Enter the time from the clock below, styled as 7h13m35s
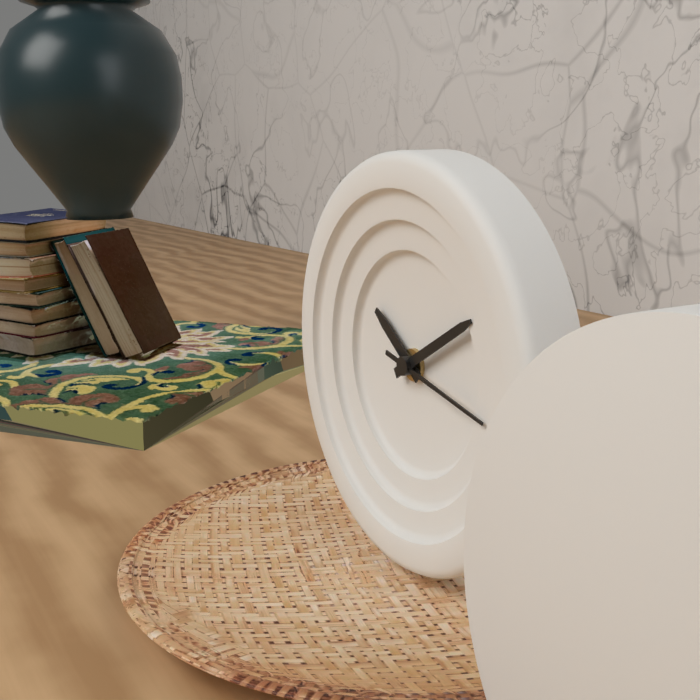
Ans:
10h10m17s
